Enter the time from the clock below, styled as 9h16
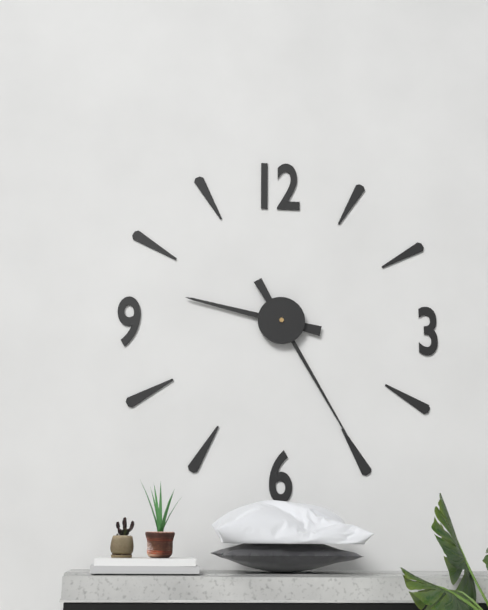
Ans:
9h25
